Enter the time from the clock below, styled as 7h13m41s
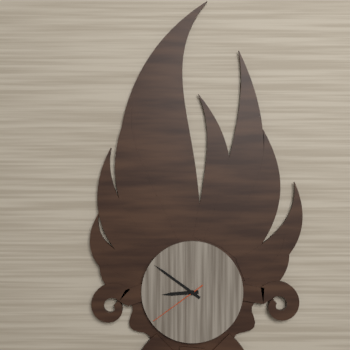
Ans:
8h51m39s
